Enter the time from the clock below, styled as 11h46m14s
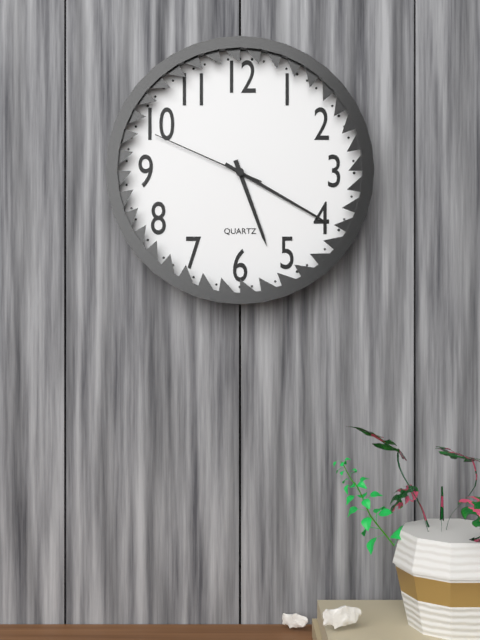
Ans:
5h20m49s
